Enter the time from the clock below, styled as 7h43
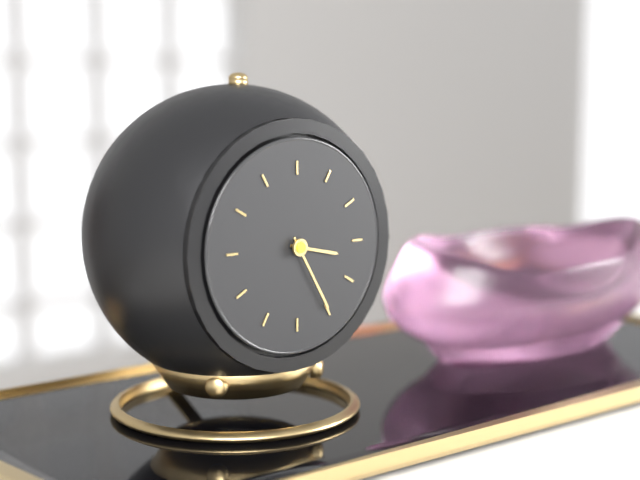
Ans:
3h25
